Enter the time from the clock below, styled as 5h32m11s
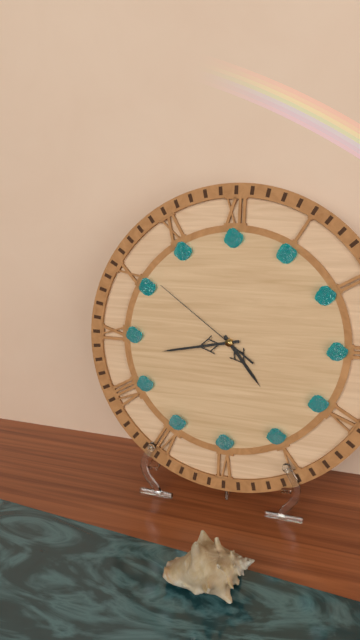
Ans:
4h43m51s
